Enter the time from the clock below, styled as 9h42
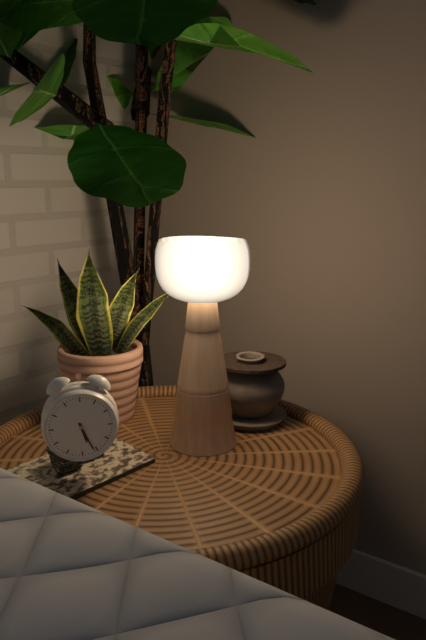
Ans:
5h26
